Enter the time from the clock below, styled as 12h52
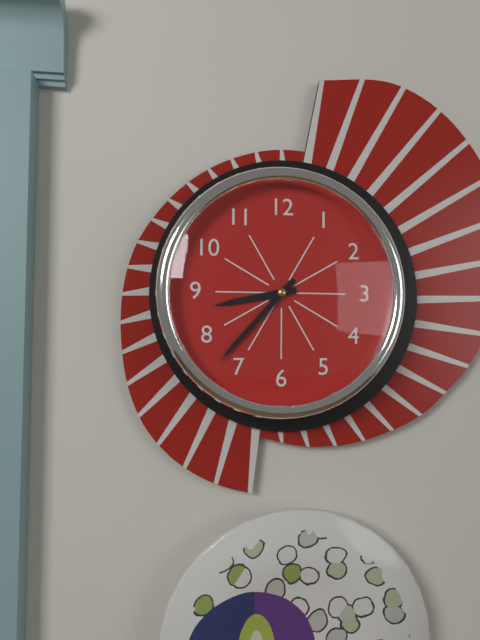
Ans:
8h37
